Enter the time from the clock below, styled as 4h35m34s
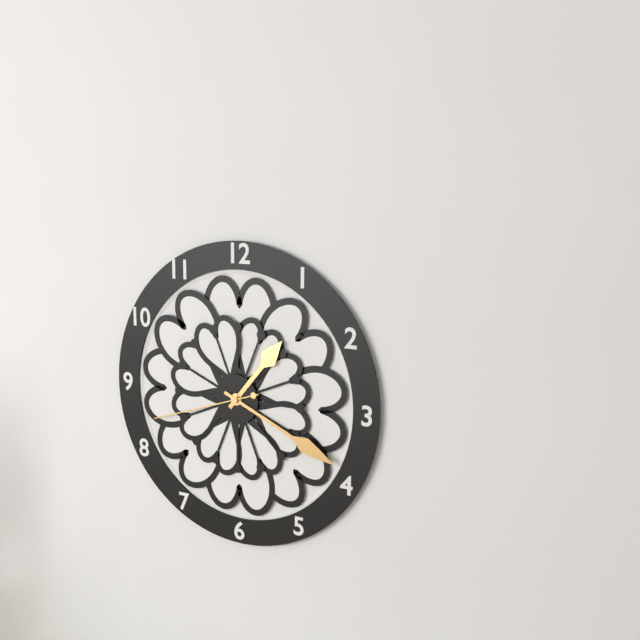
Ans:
1h19m42s
